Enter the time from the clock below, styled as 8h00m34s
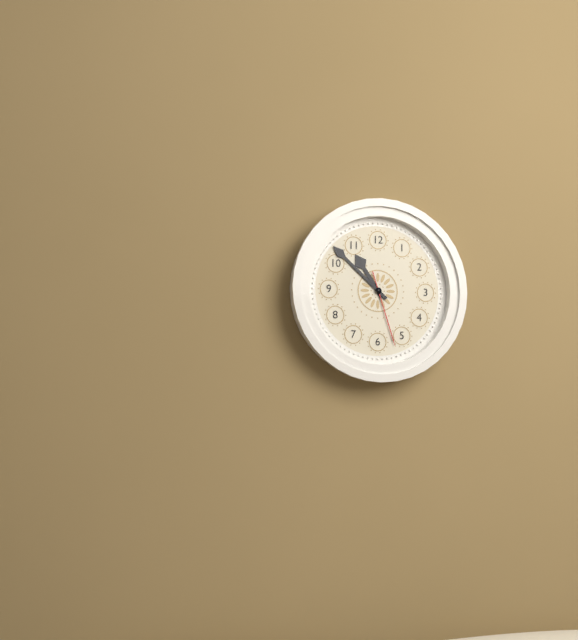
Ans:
10h52m27s
